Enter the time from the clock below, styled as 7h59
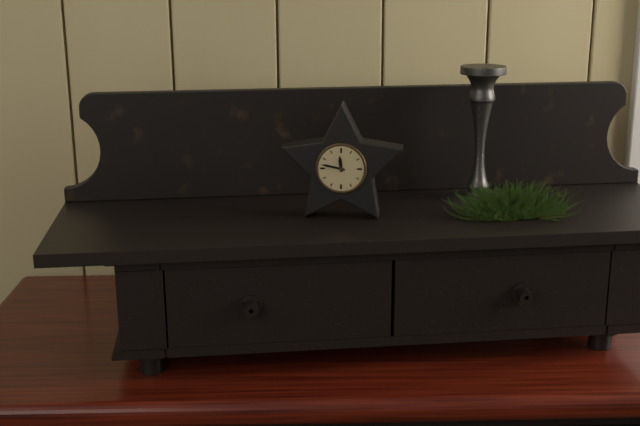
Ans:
11h47
